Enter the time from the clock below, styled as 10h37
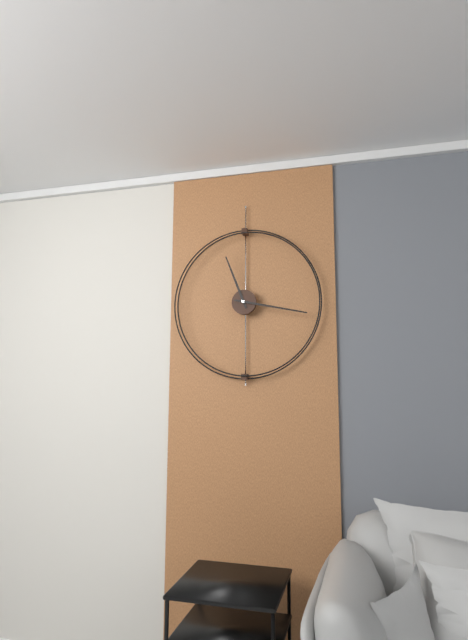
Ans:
11h17
